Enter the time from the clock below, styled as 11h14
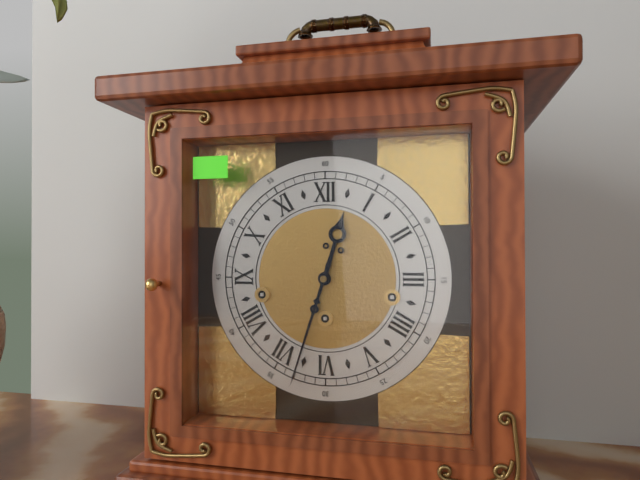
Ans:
12h33
